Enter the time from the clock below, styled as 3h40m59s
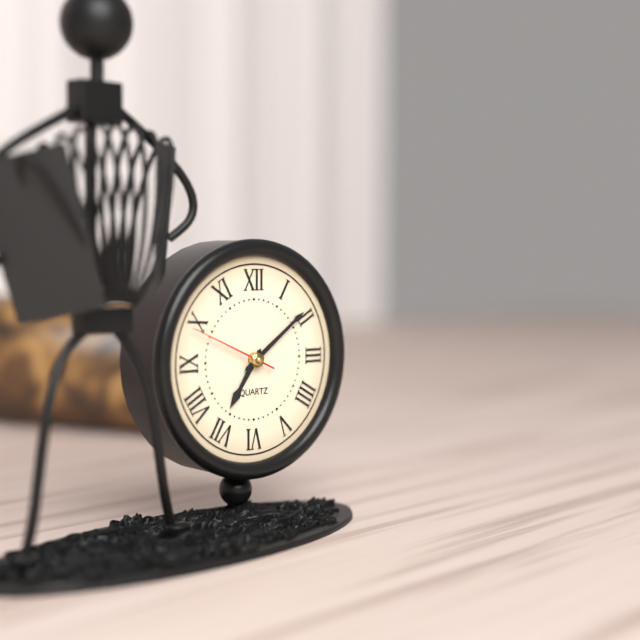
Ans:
7h09m49s
